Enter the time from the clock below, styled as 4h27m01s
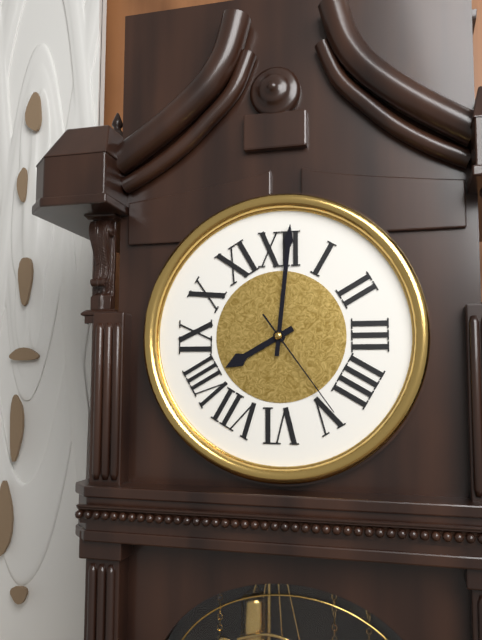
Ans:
8h01m24s
